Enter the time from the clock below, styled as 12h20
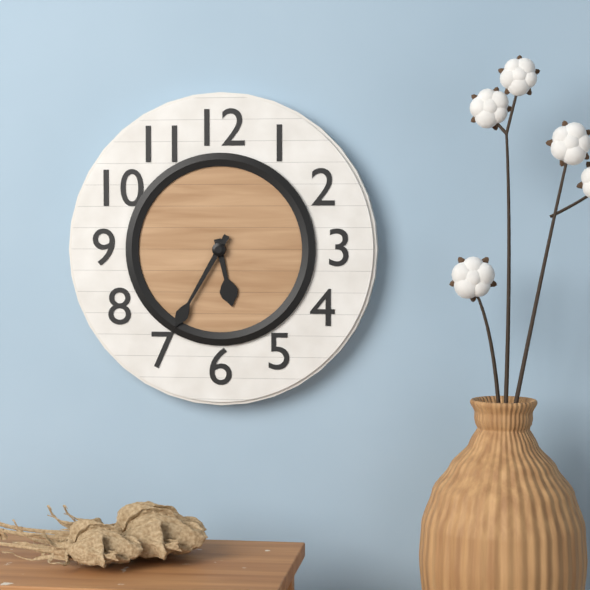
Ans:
5h35
